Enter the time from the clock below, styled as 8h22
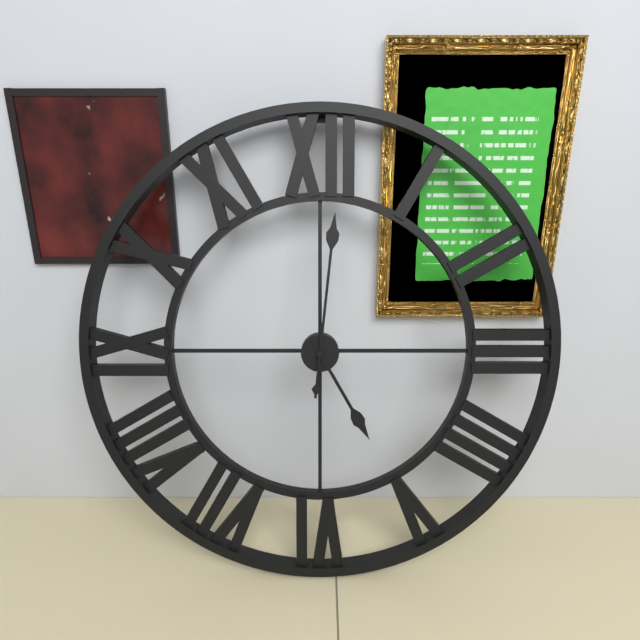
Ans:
5h01
